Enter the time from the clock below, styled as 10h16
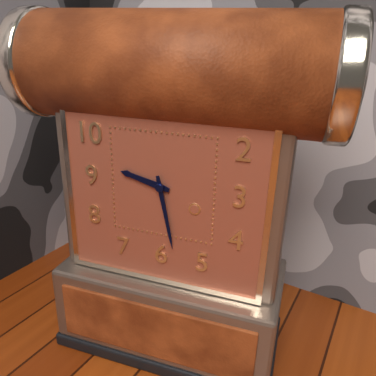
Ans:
9h28
